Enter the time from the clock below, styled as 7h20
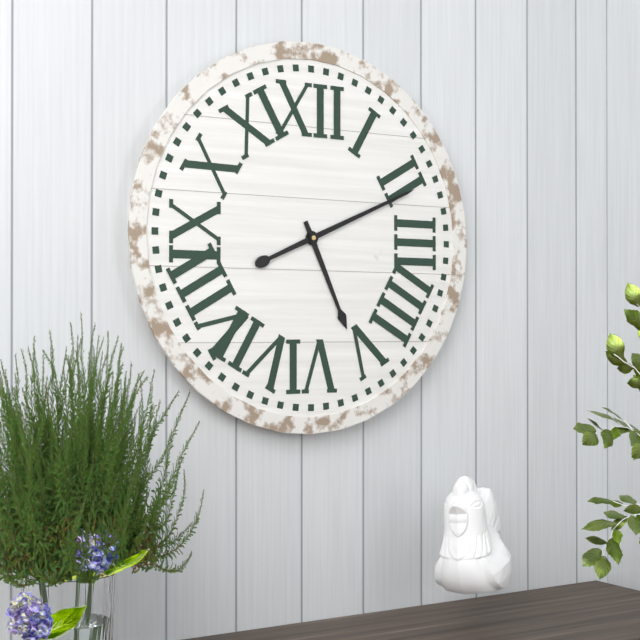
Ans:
5h11
